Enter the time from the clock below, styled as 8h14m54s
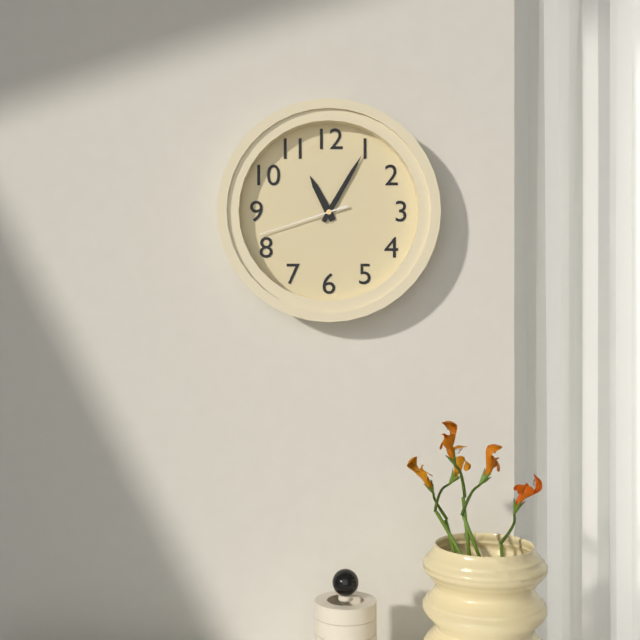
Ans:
11h05m42s
